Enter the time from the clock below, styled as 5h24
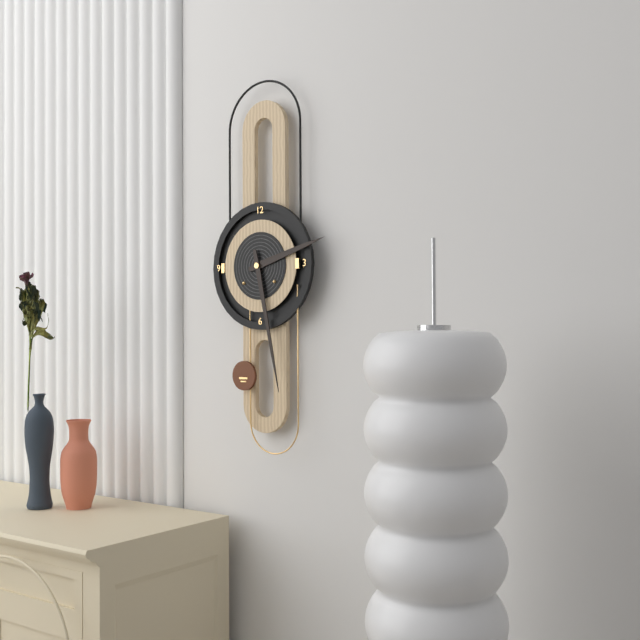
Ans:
2h28
